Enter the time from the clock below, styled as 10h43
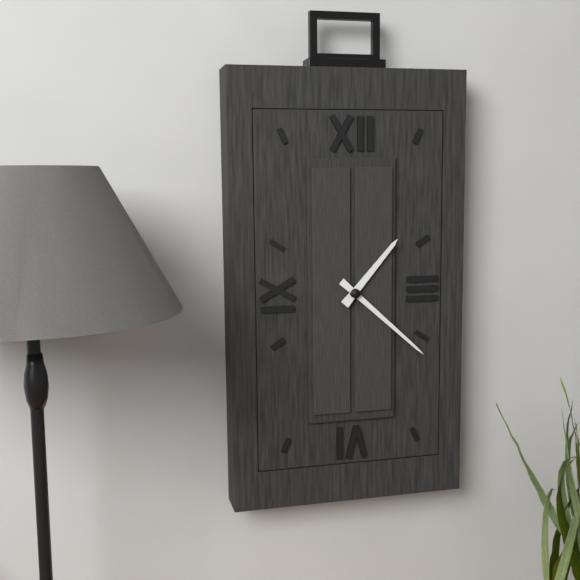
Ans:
1h22
